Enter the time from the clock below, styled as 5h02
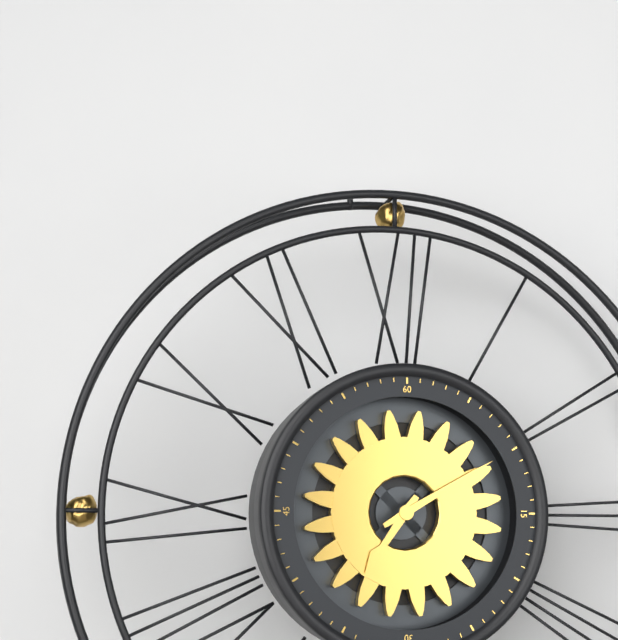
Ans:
7h10
